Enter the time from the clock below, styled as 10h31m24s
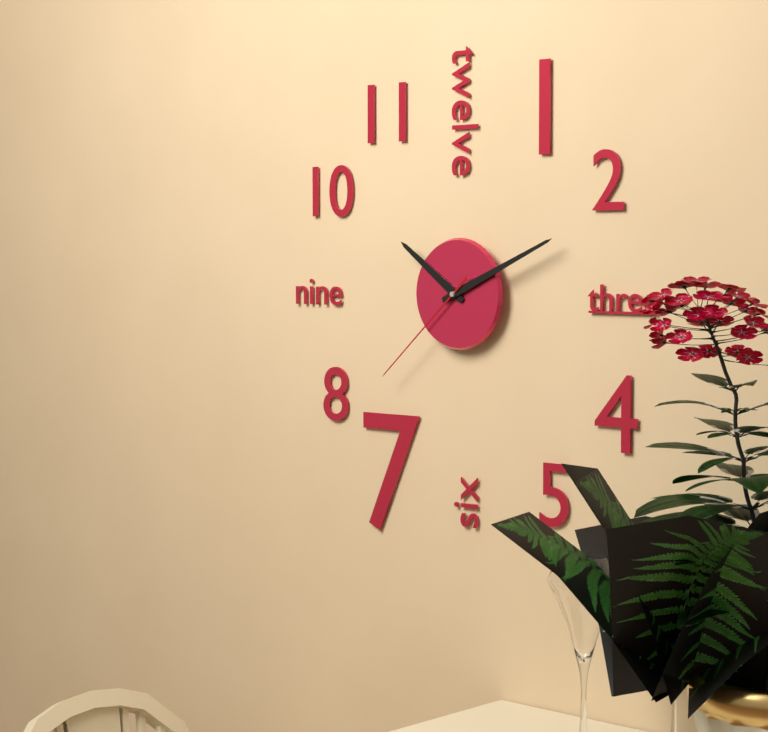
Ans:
10h11m38s
